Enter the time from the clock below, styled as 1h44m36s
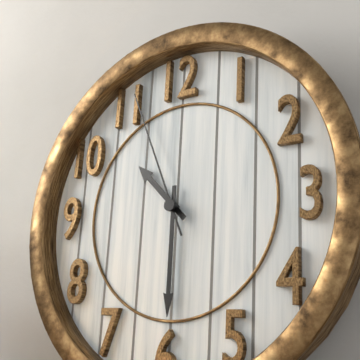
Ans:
10h30m56s
